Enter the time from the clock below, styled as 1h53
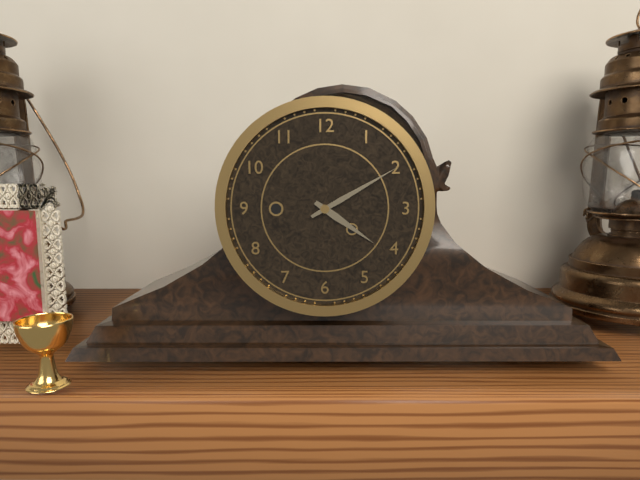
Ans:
4h10
